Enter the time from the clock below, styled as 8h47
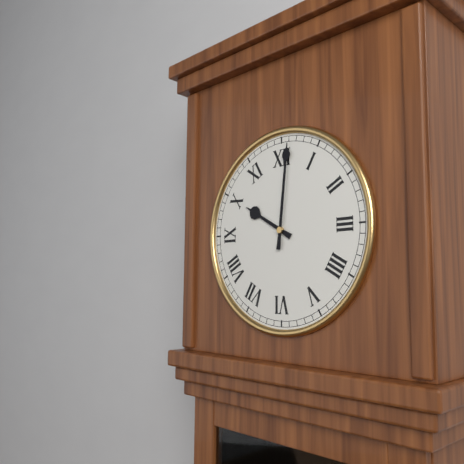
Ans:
10h01
